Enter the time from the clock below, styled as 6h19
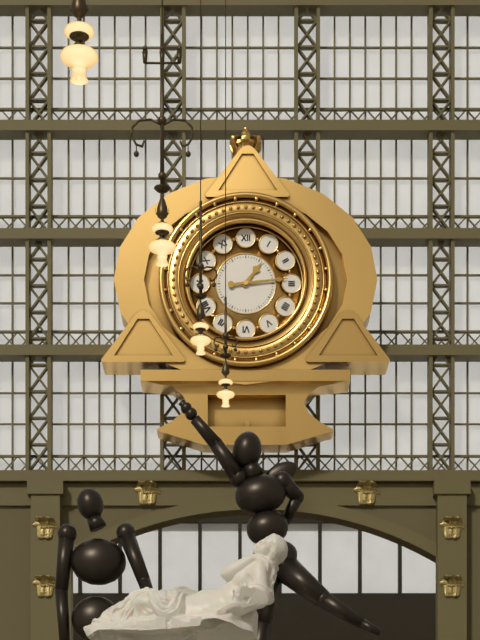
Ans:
1h14
